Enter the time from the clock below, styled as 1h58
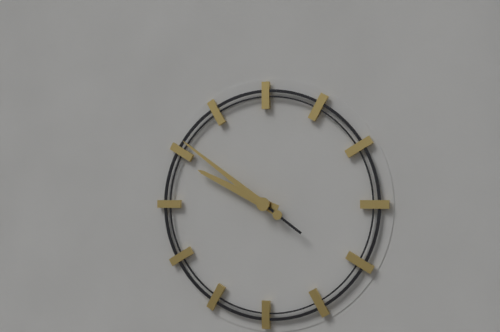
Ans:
9h51
